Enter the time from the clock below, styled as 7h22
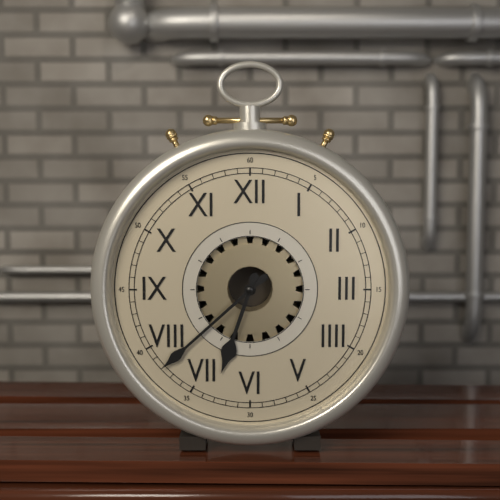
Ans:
6h38
